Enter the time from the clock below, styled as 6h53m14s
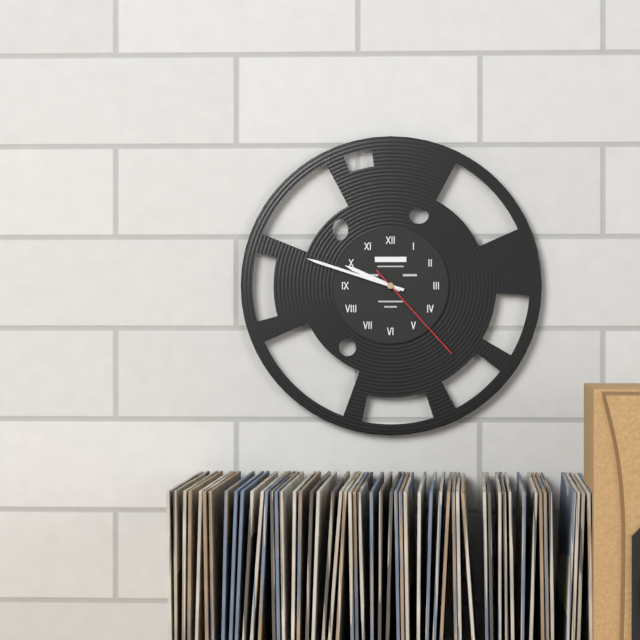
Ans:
9h48m23s
